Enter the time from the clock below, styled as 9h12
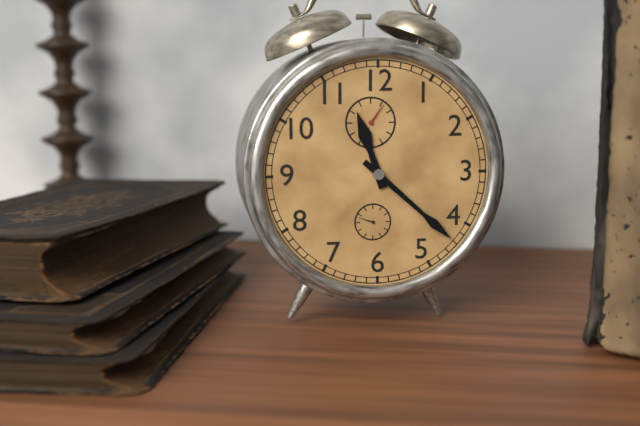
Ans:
11h22
